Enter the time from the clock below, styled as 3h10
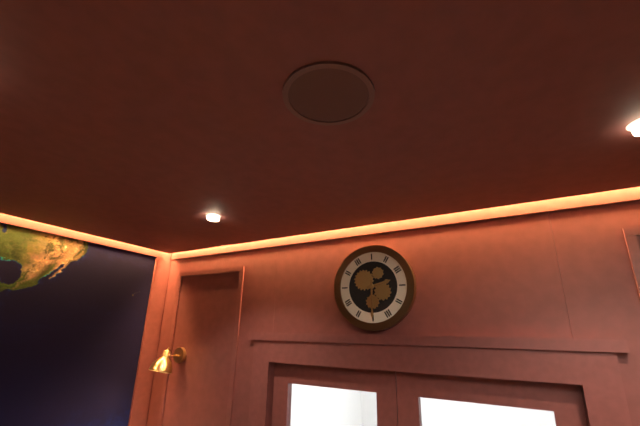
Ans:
2h30
